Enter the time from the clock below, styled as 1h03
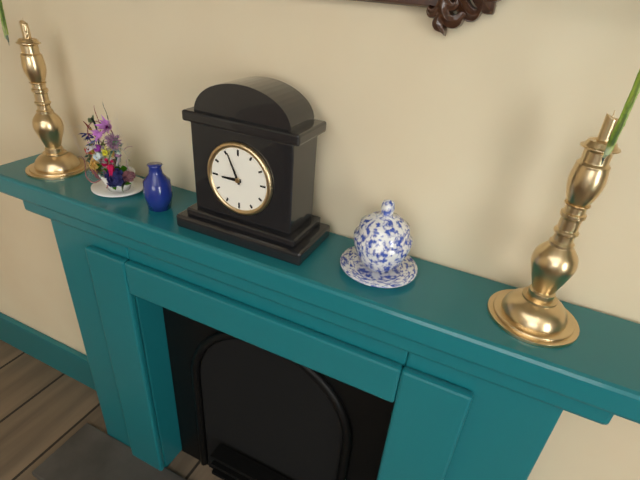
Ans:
8h56
